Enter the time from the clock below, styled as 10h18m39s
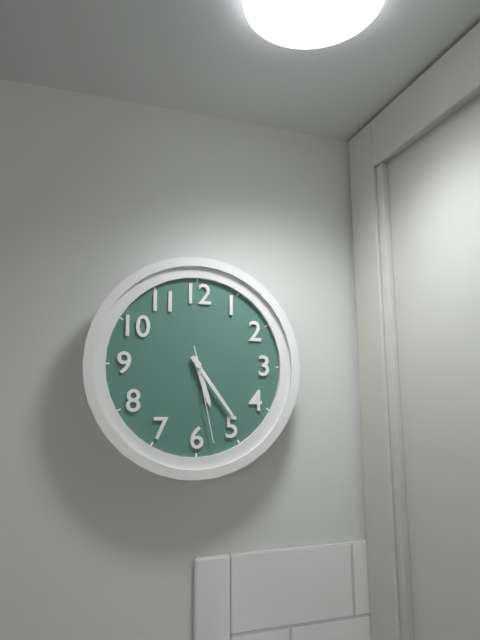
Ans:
5h24m28s
